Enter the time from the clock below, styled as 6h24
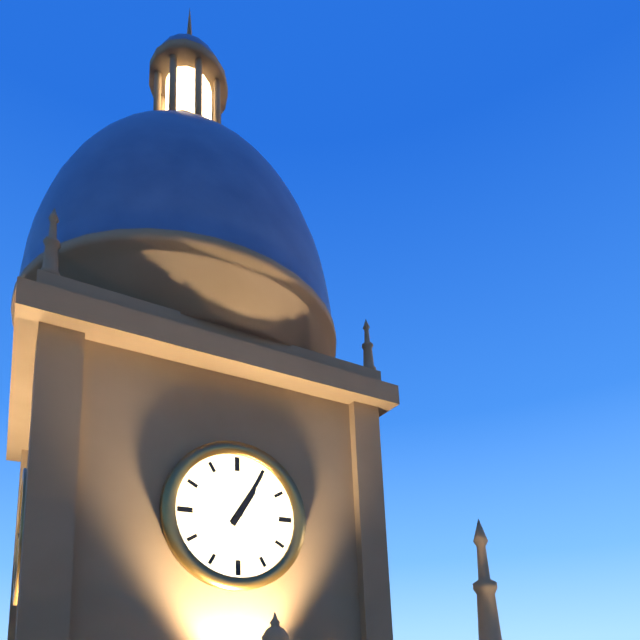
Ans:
1h05
